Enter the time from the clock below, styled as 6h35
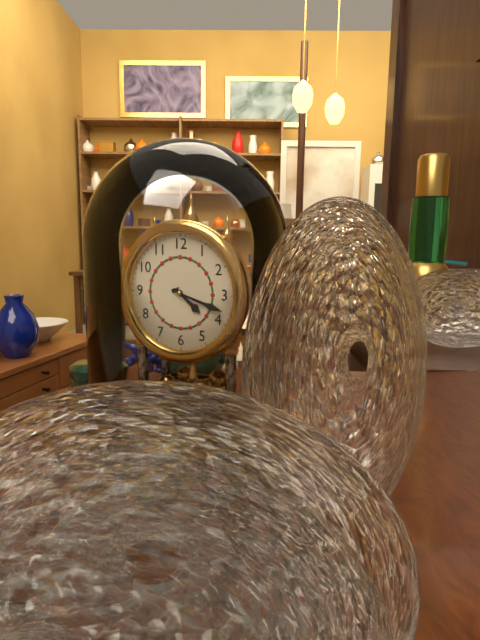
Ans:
4h18
